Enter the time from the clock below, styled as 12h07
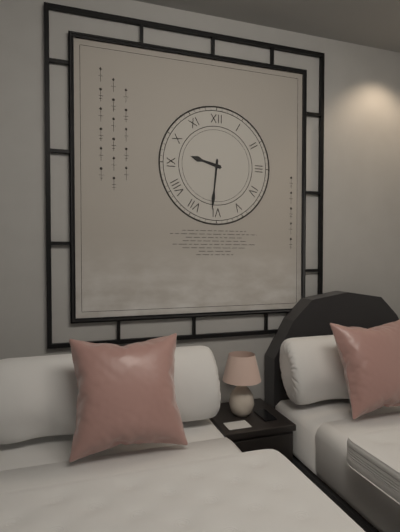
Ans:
9h31
